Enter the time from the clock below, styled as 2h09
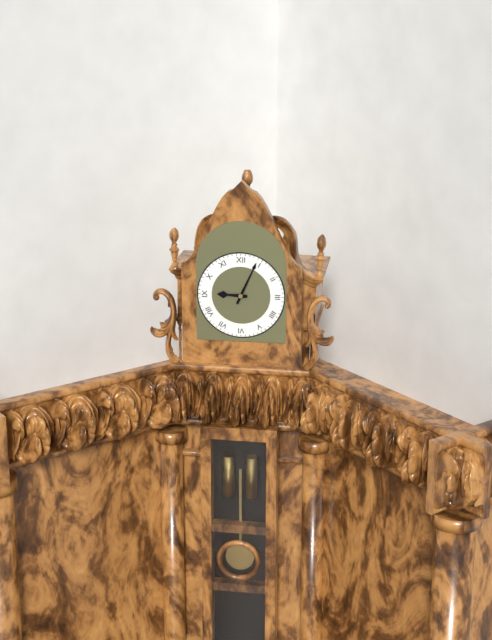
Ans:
9h04
